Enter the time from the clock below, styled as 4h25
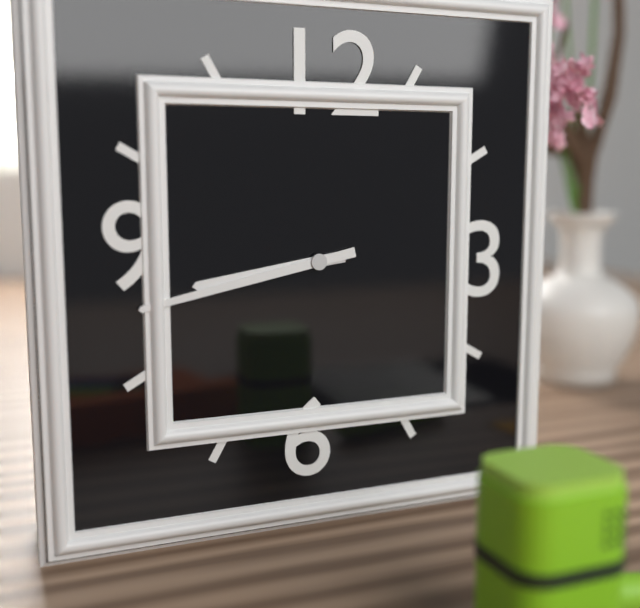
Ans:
8h43
